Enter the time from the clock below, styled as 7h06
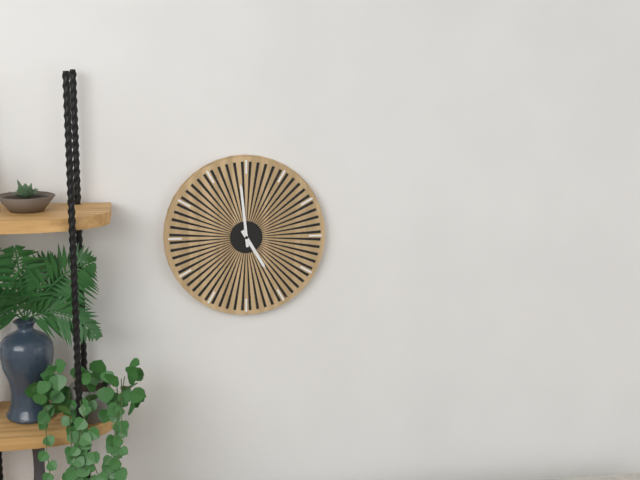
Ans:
4h59
